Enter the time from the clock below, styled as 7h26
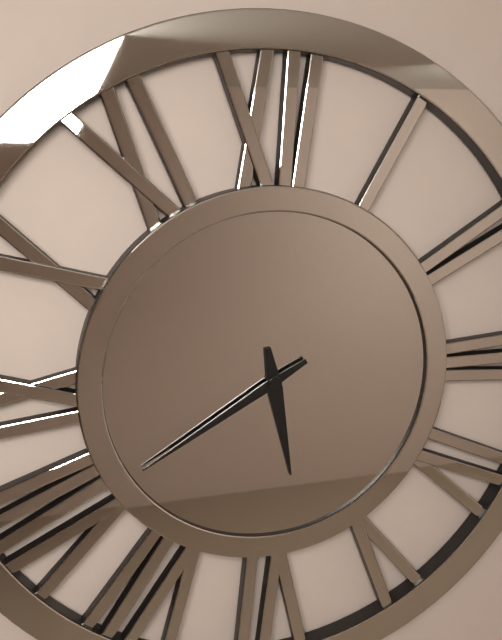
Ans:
5h40
